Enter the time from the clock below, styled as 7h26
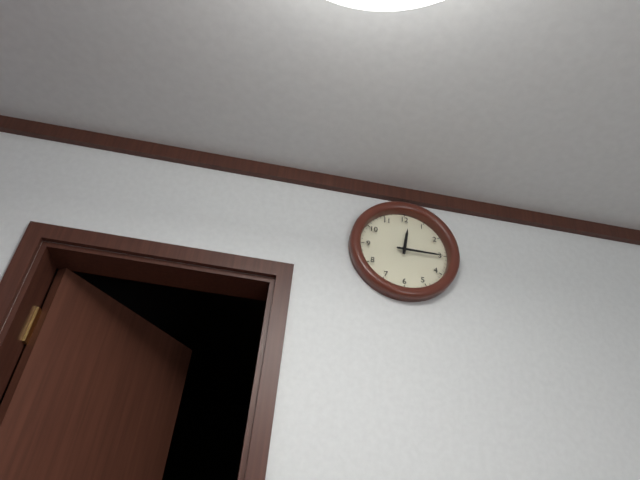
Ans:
12h15
